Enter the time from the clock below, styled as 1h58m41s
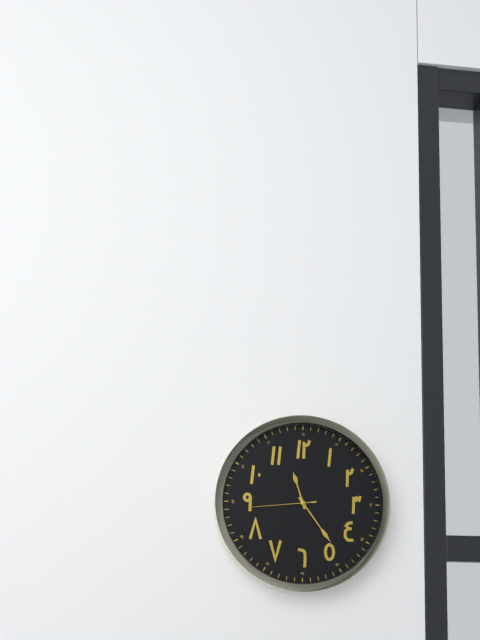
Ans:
11h24m44s
